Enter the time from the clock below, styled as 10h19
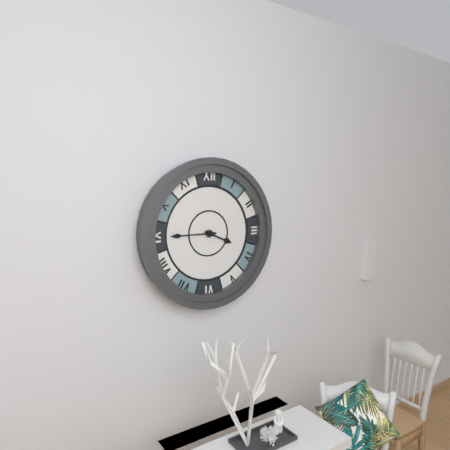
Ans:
3h45
